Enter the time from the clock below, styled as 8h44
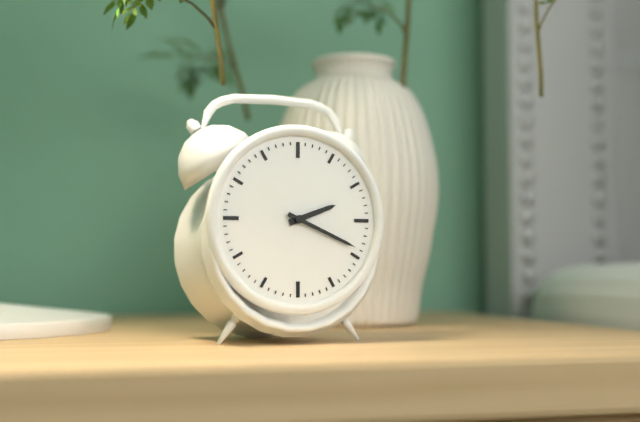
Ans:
2h19
